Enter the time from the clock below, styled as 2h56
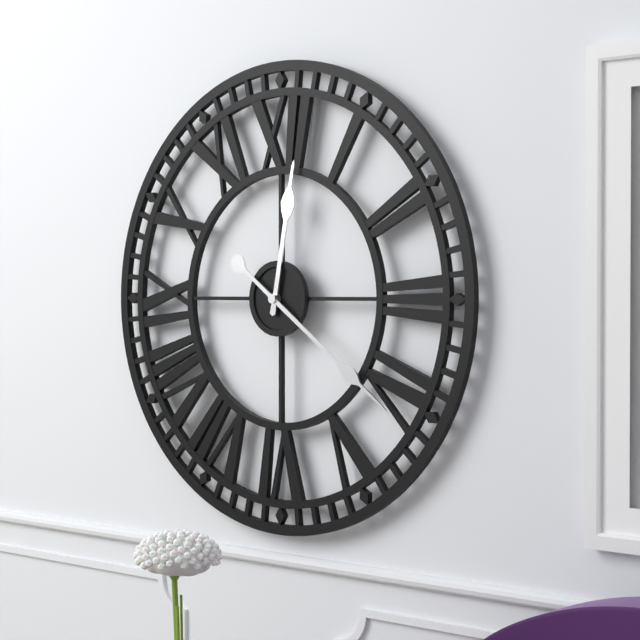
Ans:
12h21
